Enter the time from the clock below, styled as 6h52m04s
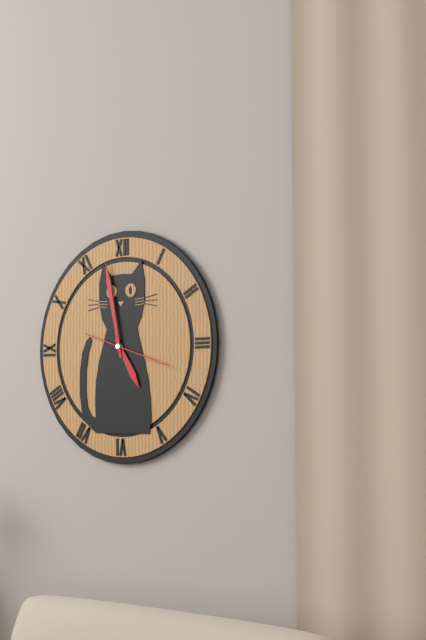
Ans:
4h58m18s
